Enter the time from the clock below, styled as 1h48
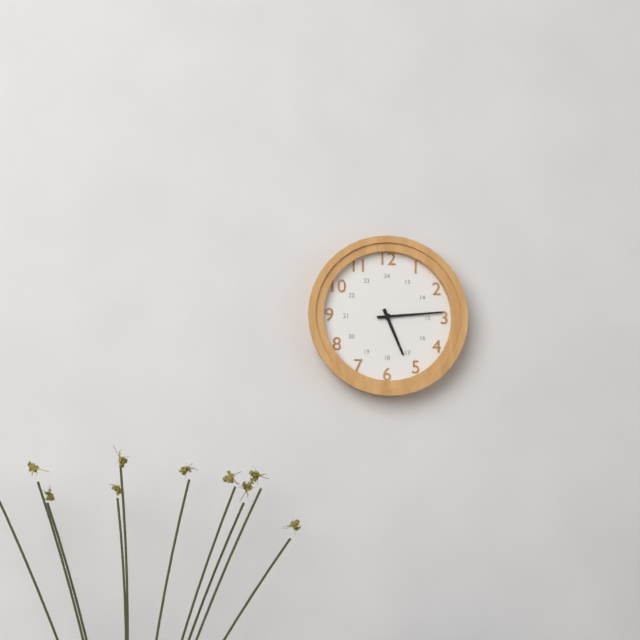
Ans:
5h14
